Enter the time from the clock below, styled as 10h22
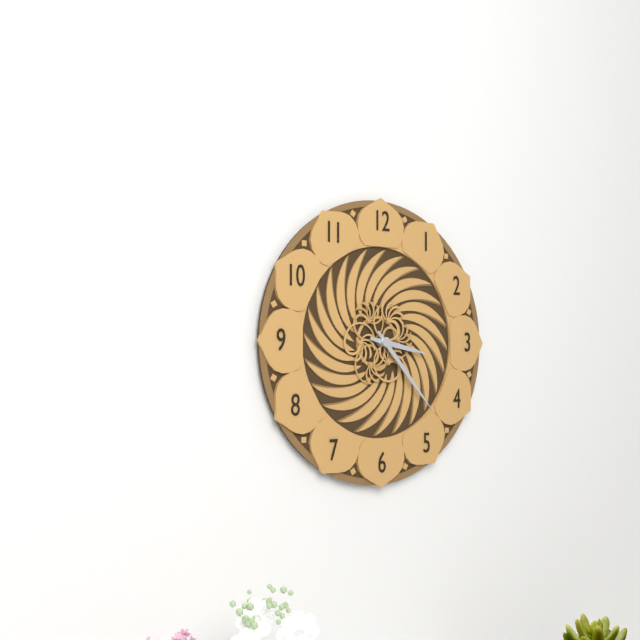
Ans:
3h23
